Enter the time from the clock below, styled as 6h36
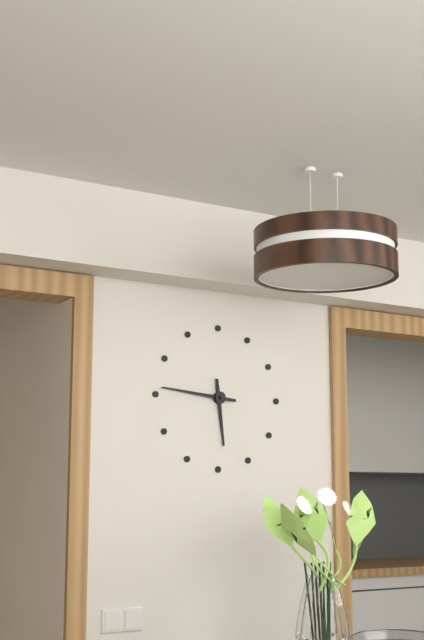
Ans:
5h46
